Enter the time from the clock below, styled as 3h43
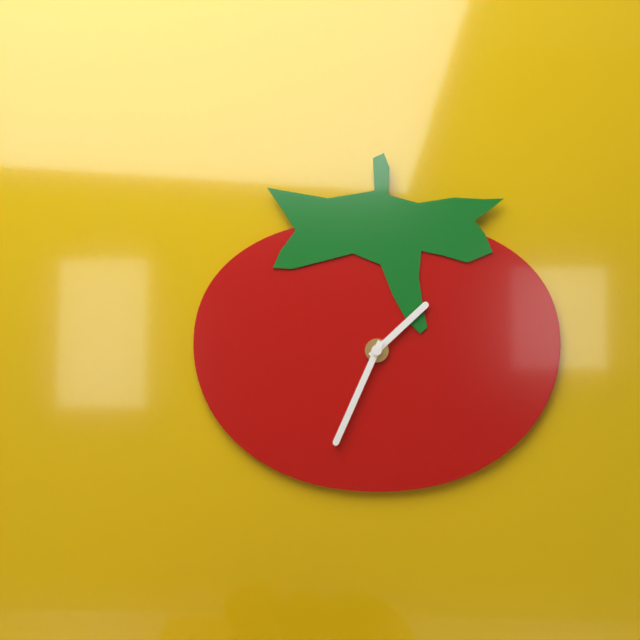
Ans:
1h34
